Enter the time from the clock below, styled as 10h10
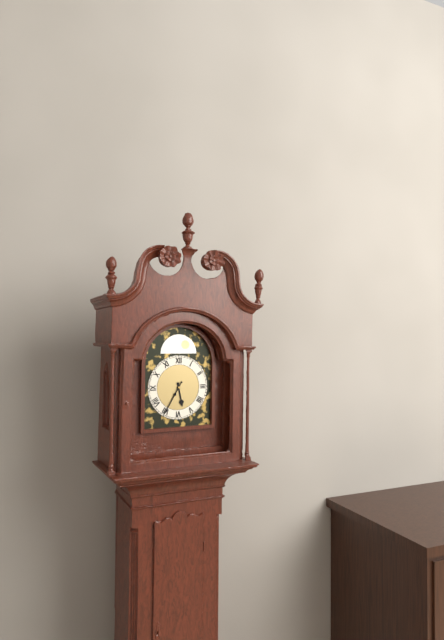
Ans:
5h35
